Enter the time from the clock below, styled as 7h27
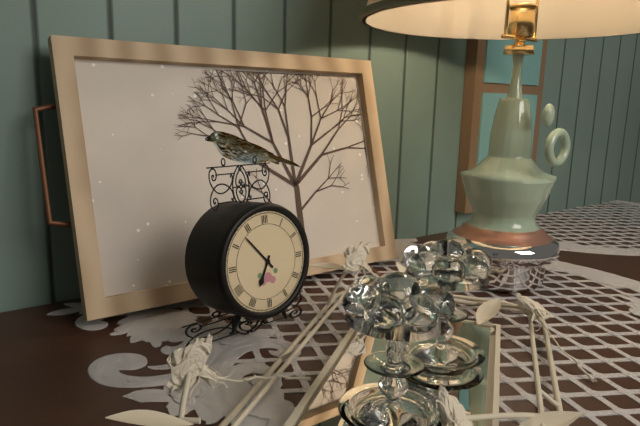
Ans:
6h53
